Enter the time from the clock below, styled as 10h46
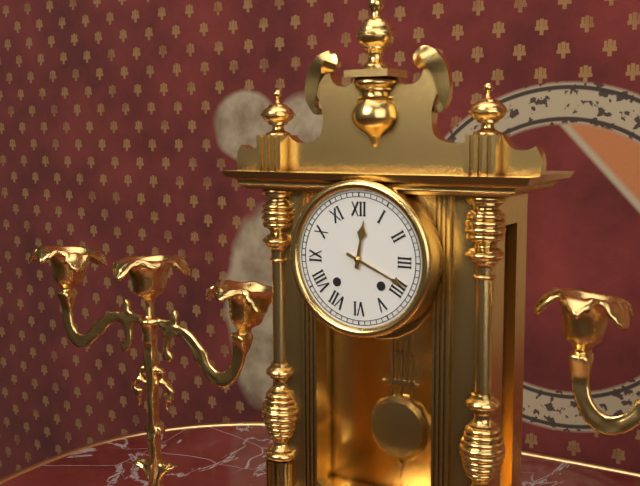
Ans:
12h19
